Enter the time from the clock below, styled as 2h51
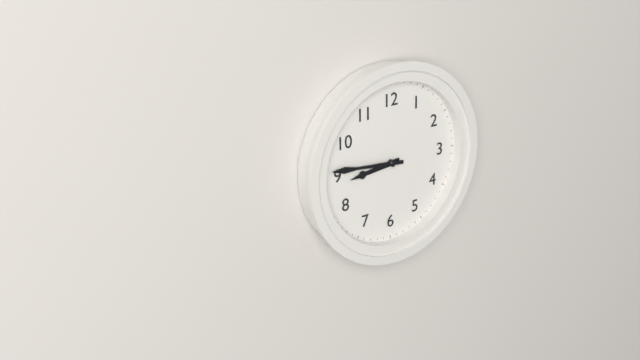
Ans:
8h46
